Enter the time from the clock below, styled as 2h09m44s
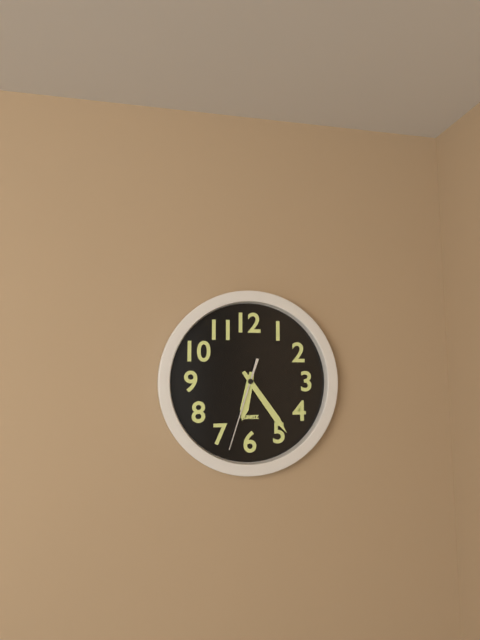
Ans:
6h24m33s
